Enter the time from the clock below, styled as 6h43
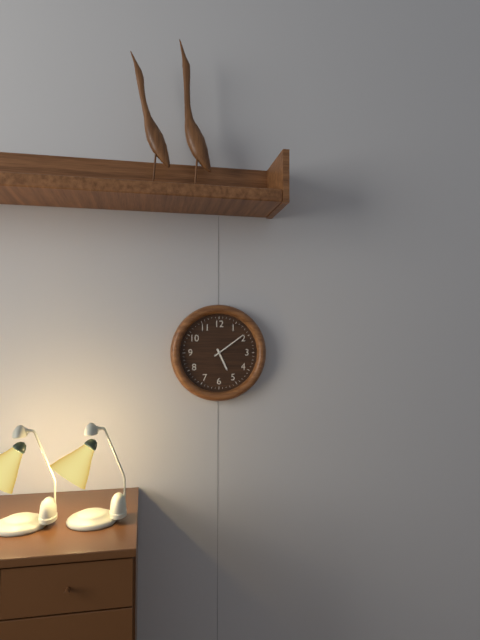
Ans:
5h09
